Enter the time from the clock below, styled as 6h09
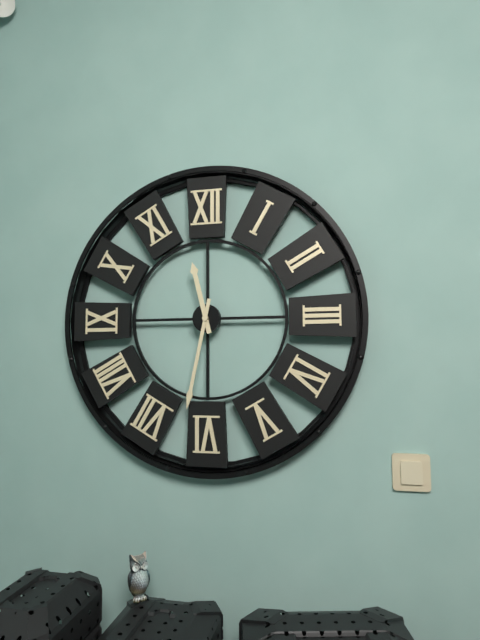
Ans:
11h32
